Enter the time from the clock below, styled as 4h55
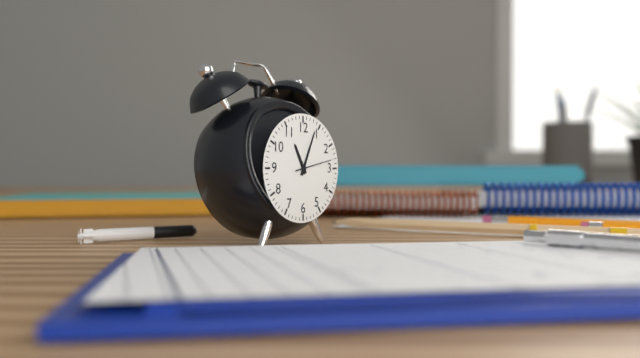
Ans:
11h04
